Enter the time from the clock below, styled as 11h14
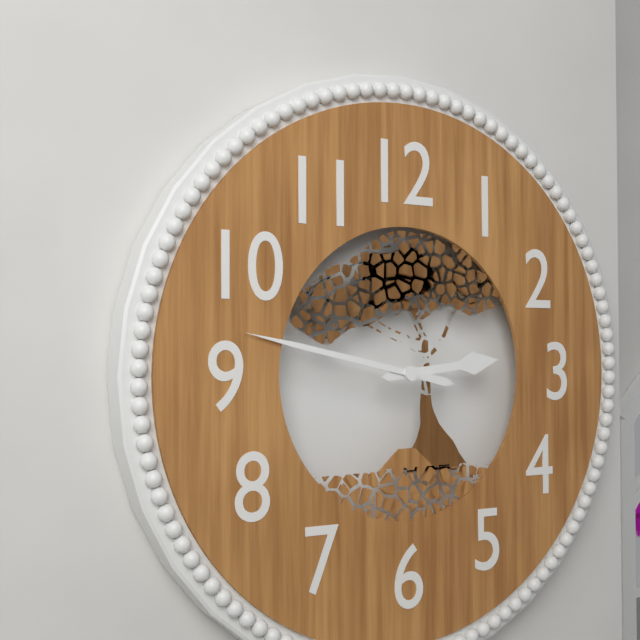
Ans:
2h47
